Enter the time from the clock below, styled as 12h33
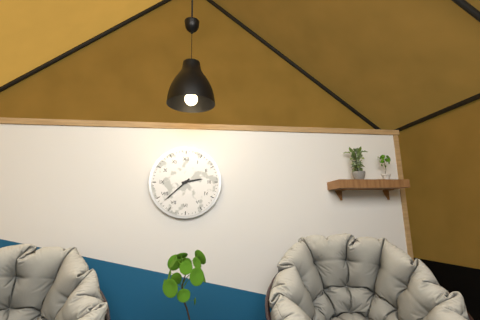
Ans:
2h38
